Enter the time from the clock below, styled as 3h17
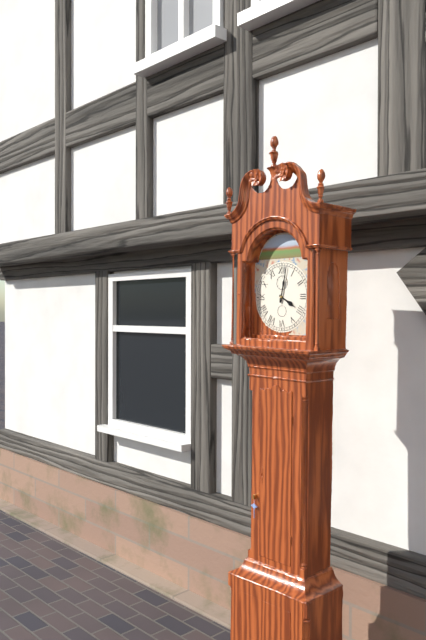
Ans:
4h02
